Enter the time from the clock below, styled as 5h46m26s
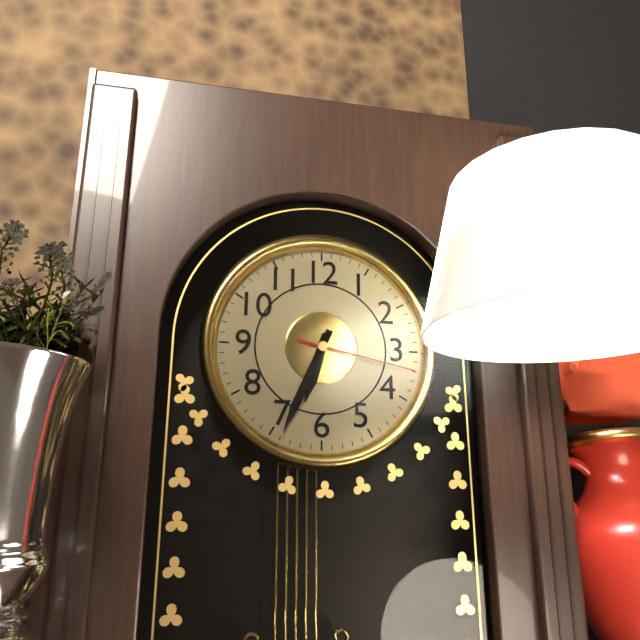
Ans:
6h34m17s
